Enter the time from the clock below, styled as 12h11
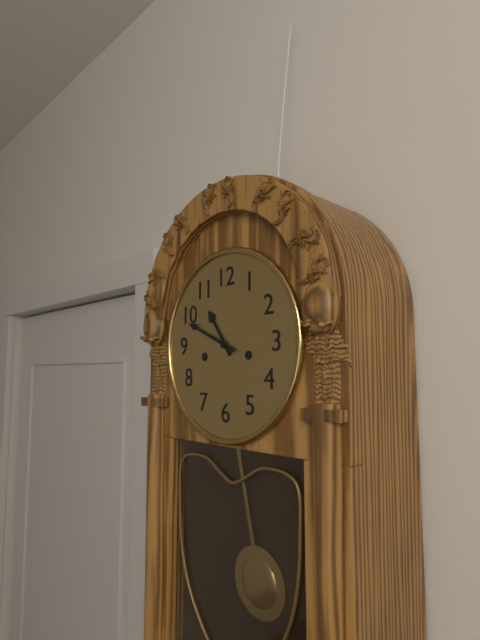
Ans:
10h49
